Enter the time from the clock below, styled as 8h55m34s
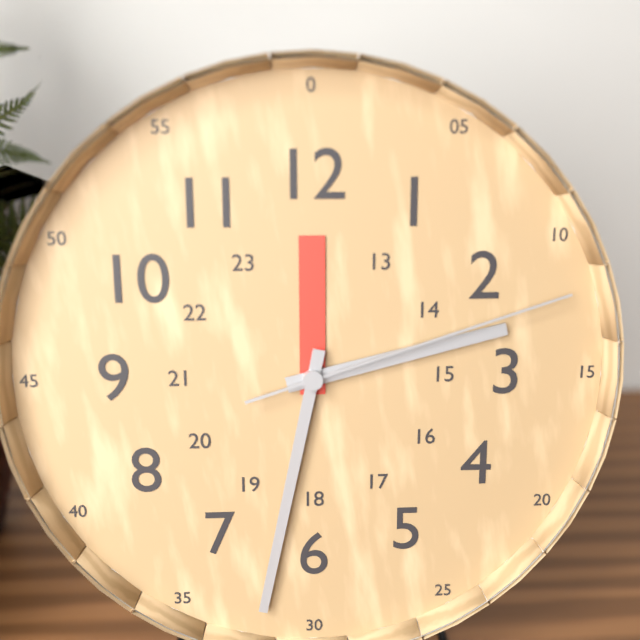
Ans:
2h32m12s
